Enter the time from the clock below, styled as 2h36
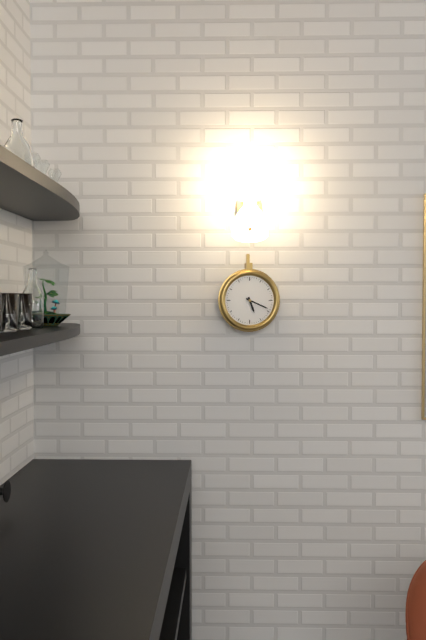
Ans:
5h19
